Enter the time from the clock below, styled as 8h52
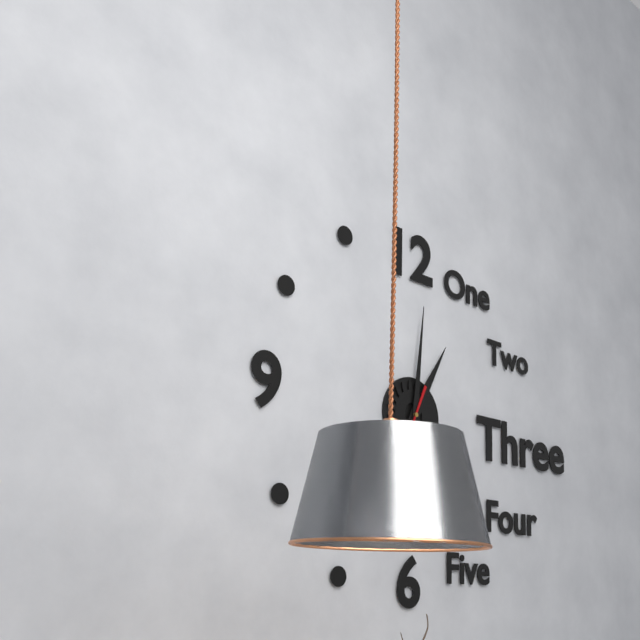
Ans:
1h01
